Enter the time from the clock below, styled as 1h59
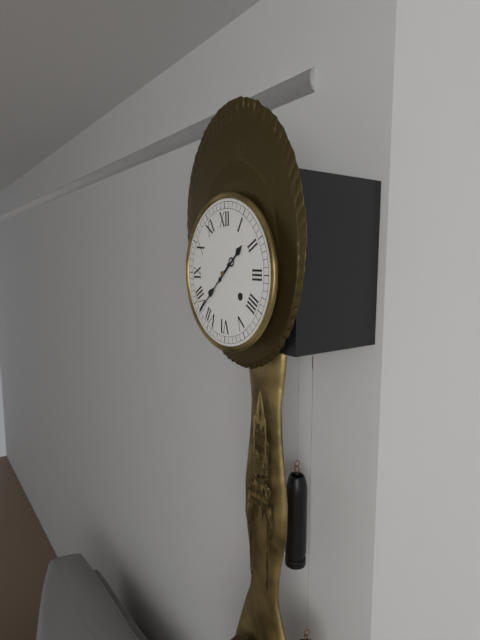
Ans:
1h38
